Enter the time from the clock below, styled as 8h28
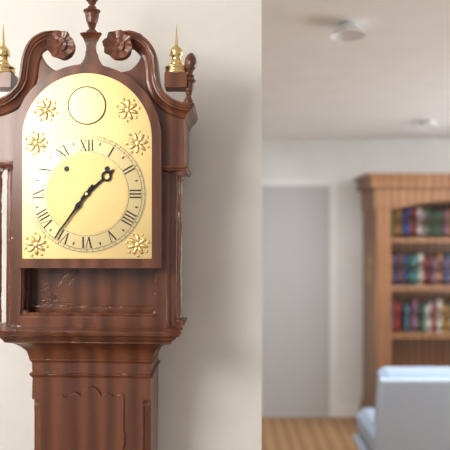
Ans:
1h36
